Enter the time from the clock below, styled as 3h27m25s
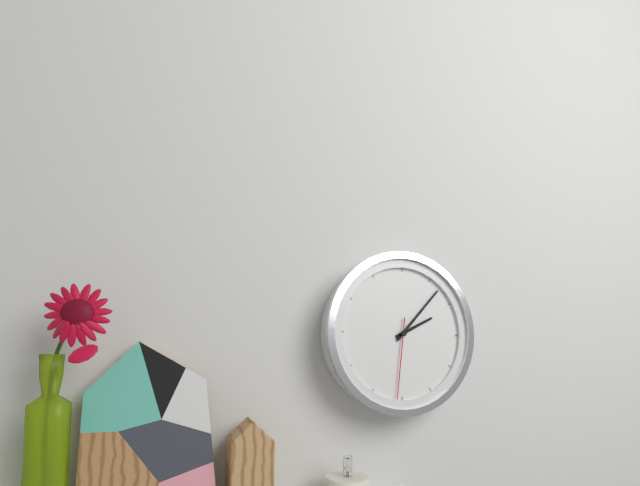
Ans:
2h07m31s
